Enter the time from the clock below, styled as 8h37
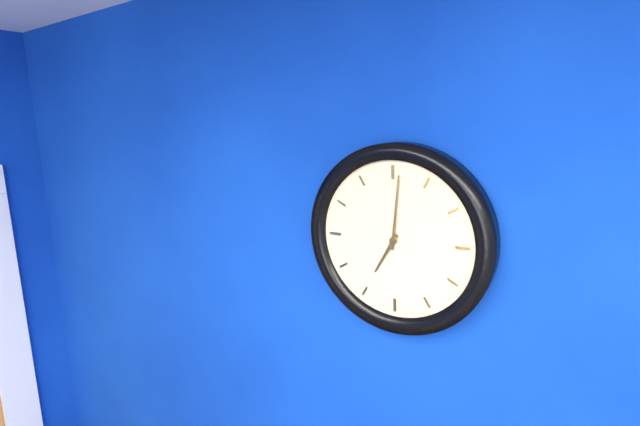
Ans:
7h01
